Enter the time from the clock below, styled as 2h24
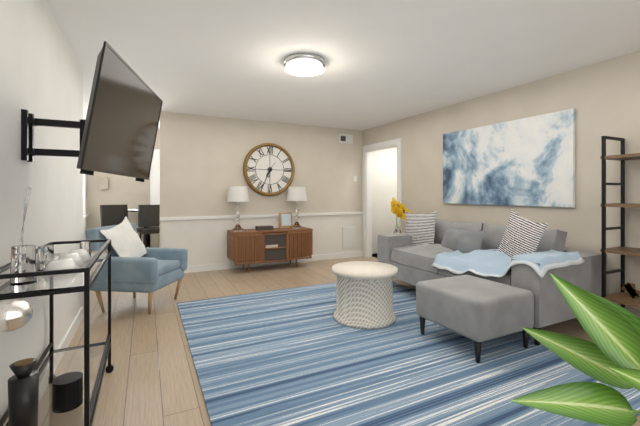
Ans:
6h34
